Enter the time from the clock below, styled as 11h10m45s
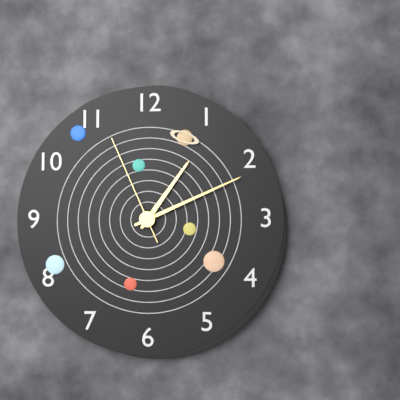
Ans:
1h11m56s
